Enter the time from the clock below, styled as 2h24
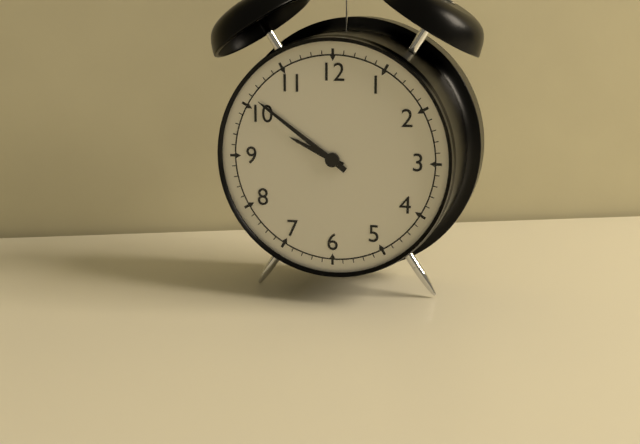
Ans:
9h51
